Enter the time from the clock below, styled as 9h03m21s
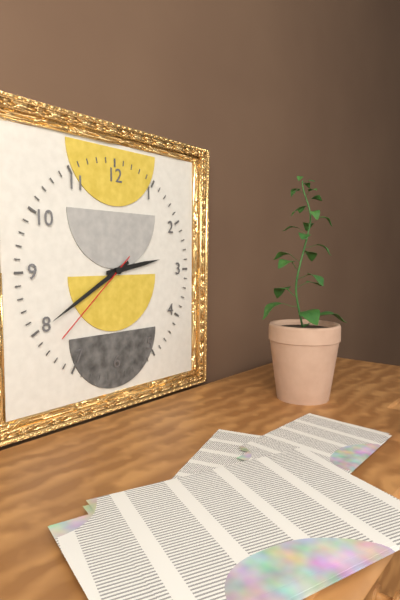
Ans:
2h40m38s
